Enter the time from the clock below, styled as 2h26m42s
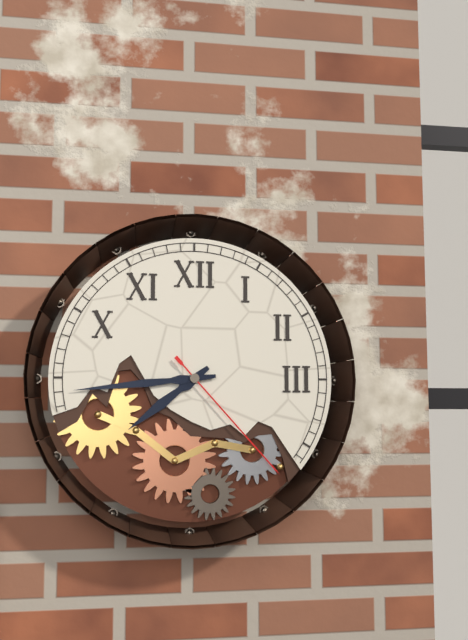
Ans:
7h44m23s
